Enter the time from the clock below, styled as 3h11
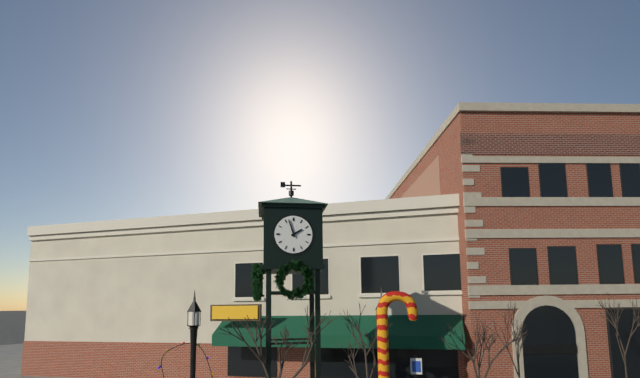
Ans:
1h57
